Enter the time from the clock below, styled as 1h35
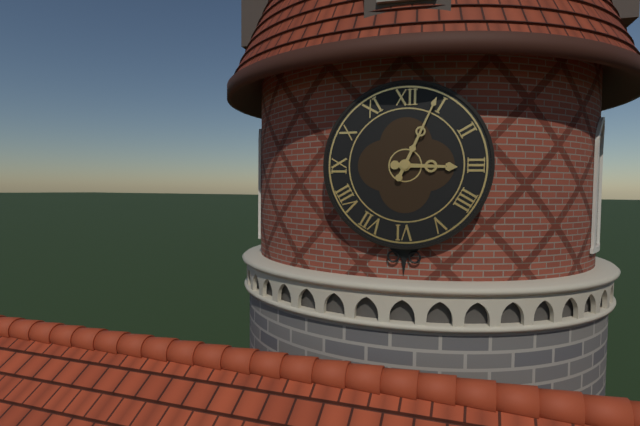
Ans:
3h04
